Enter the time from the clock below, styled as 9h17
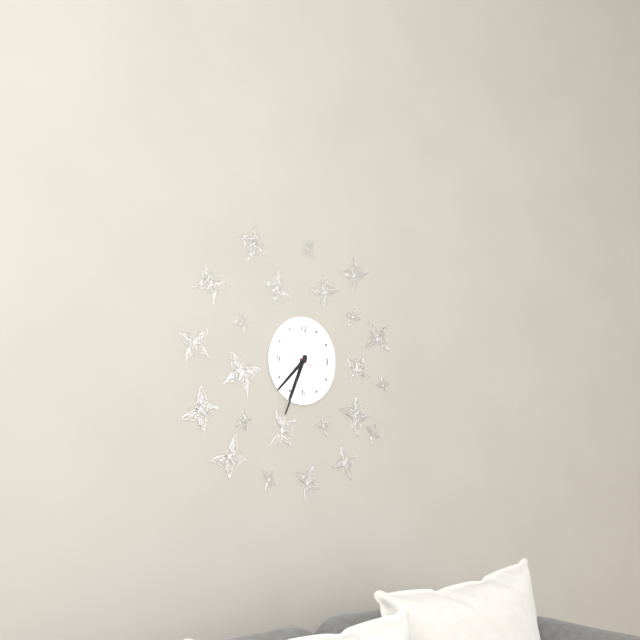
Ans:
7h34
